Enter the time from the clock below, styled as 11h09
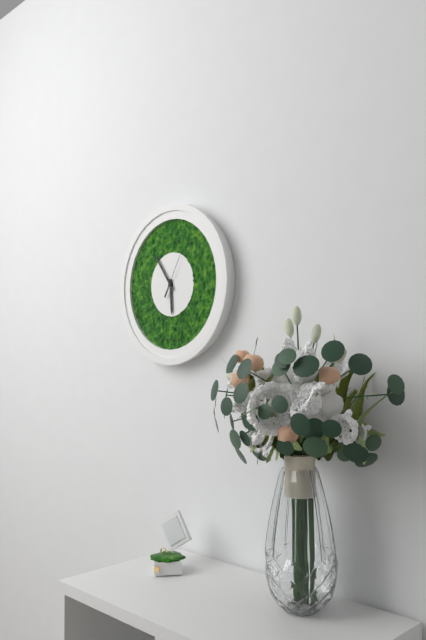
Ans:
5h54
